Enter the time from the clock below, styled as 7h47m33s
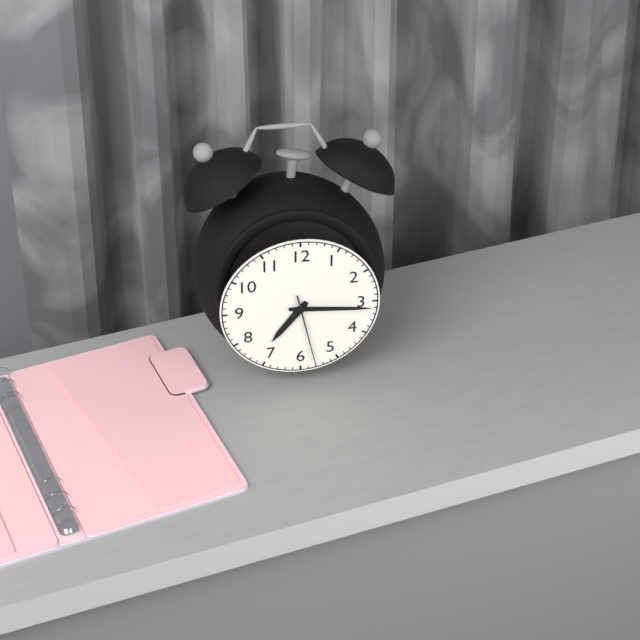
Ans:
7h16m28s
